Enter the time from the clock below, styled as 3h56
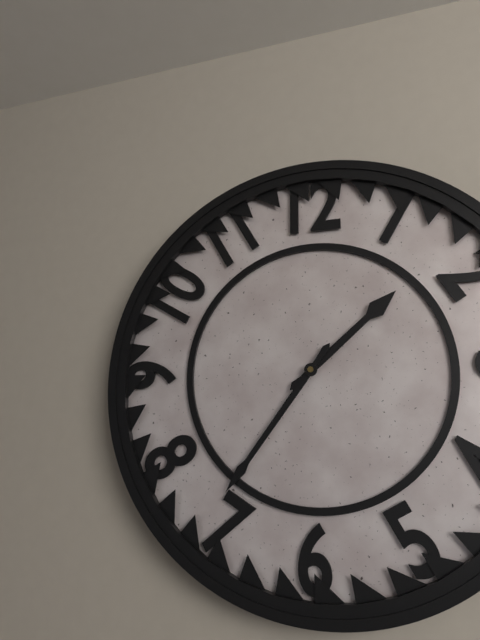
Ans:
1h36
